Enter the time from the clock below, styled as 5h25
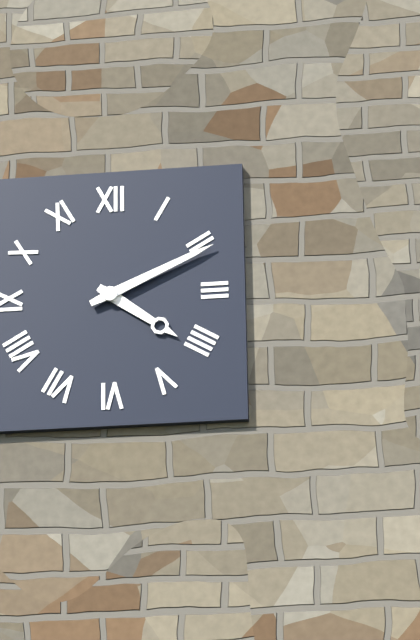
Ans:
4h11
